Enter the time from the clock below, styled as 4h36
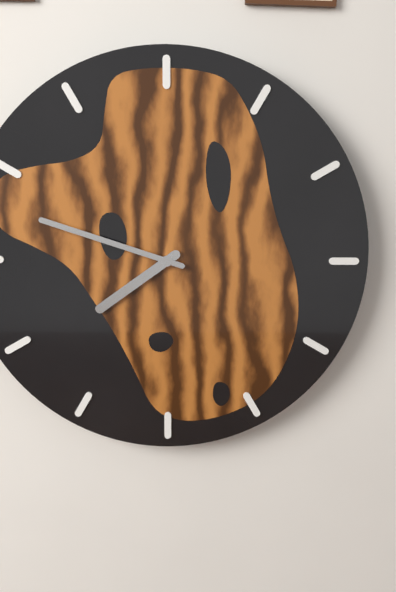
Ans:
7h48
